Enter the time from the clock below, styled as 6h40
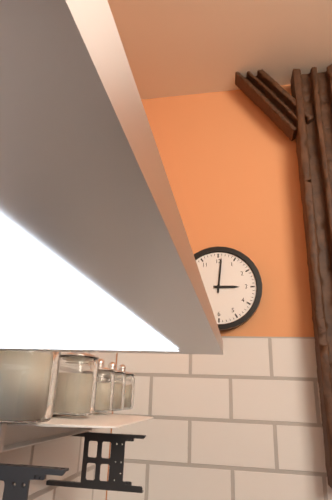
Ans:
3h01
